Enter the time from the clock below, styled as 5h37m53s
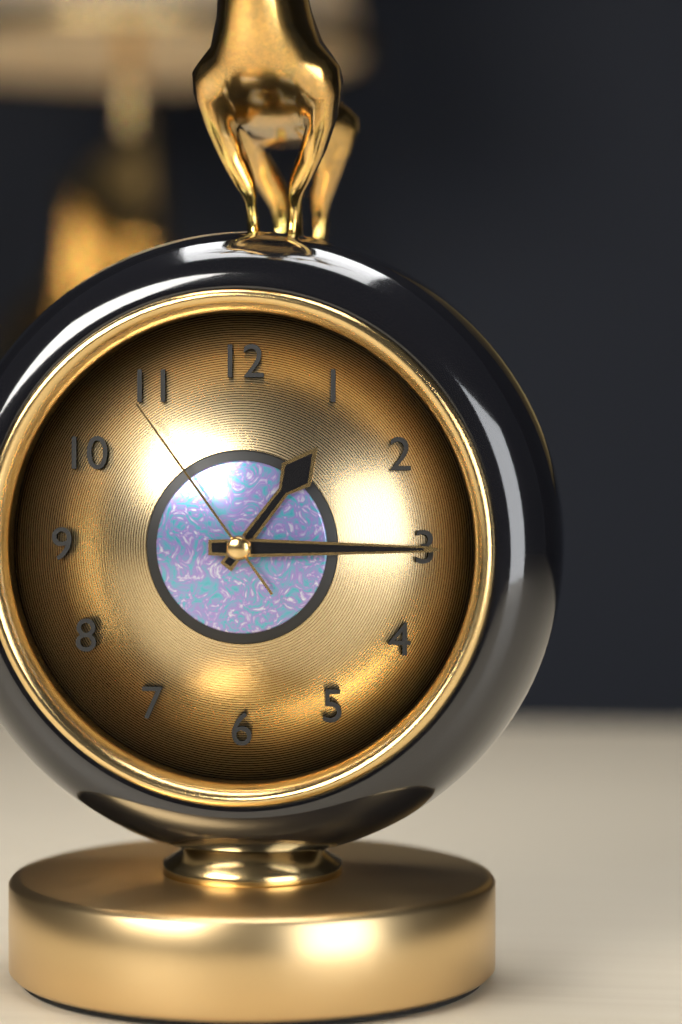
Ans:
1h15m54s
